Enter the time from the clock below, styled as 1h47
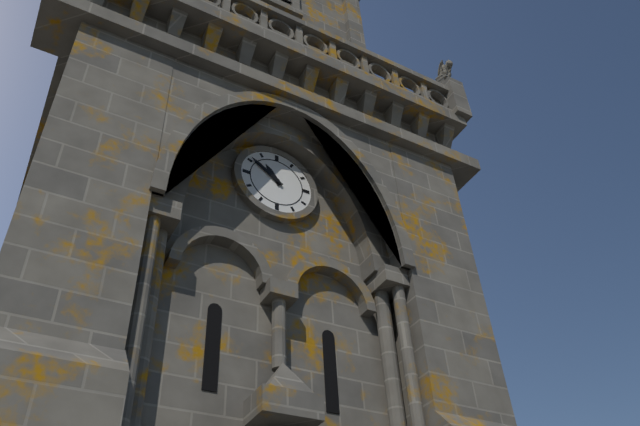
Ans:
10h51
